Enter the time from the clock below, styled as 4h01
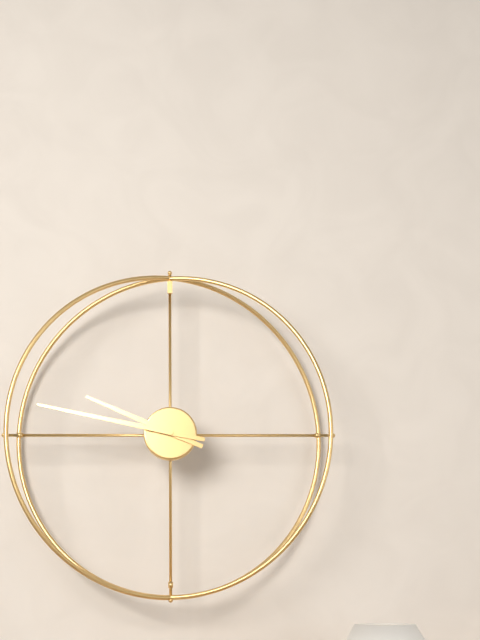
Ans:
9h47
